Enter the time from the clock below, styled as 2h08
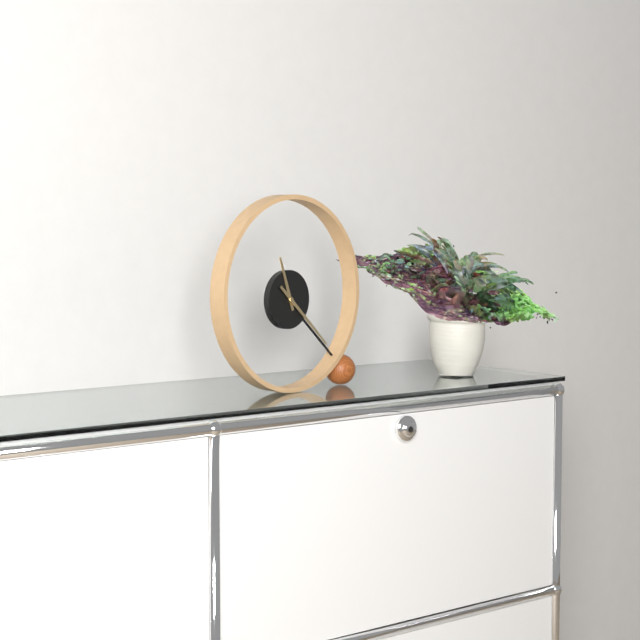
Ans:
11h22
